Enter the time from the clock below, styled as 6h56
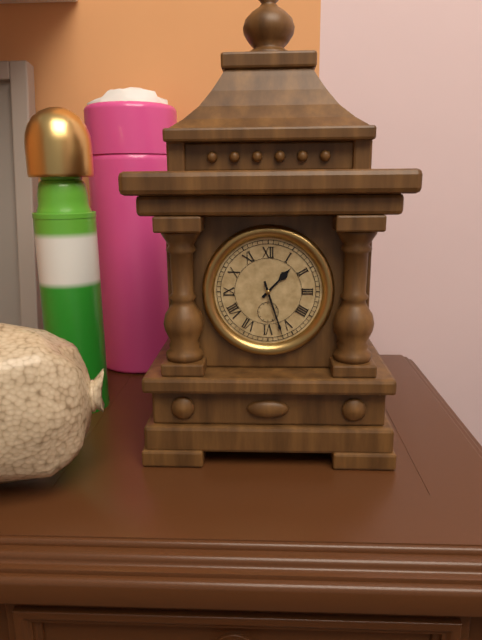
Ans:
1h27
